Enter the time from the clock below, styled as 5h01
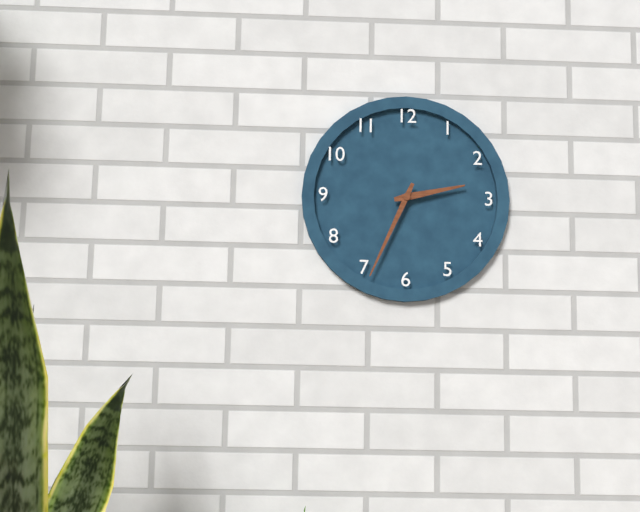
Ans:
2h34
